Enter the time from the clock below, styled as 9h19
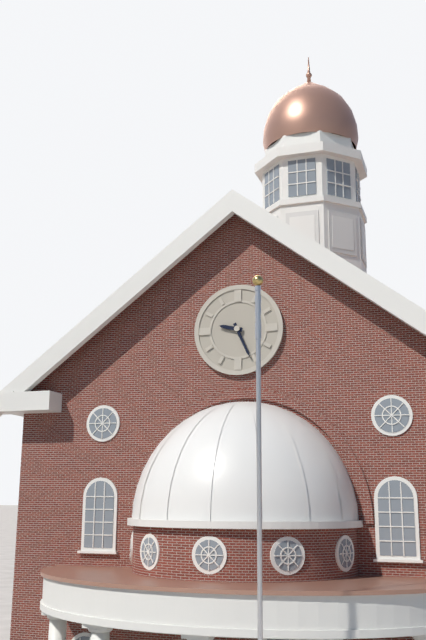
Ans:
9h26
